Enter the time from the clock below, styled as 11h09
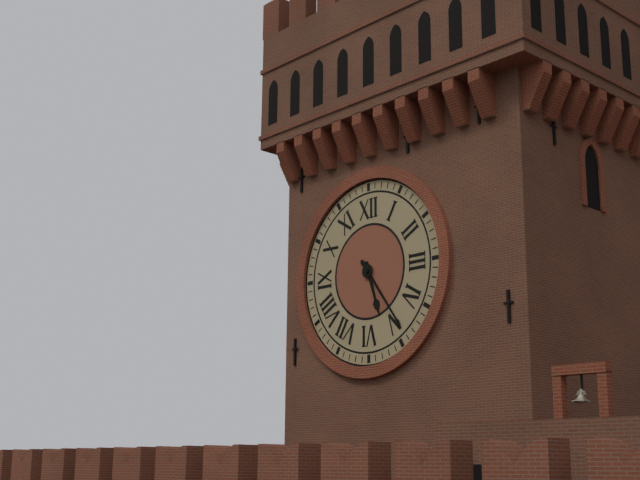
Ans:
5h24
